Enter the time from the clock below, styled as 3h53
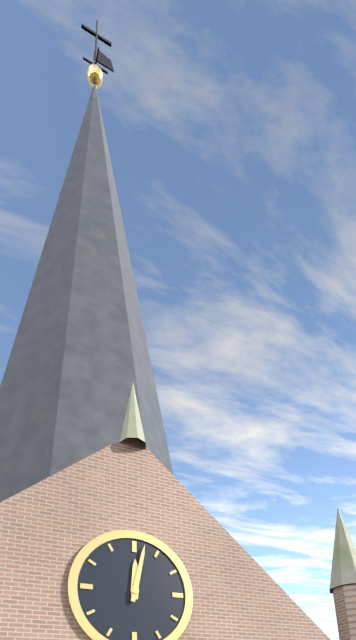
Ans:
12h02
